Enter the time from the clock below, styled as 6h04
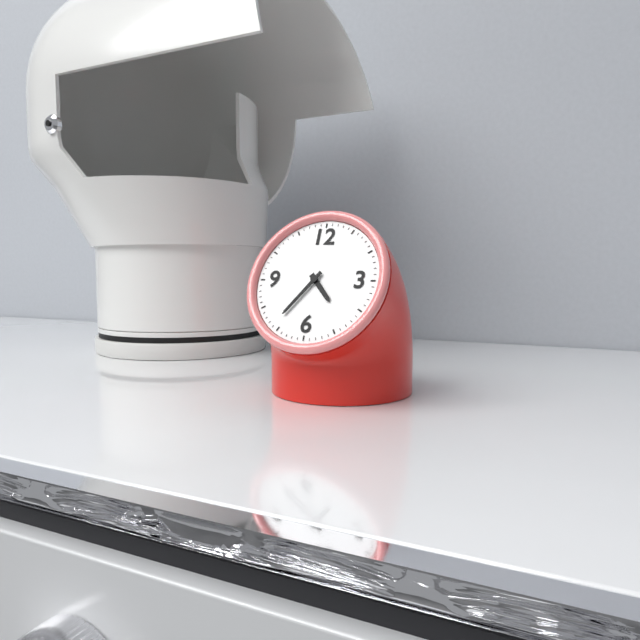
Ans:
4h36
